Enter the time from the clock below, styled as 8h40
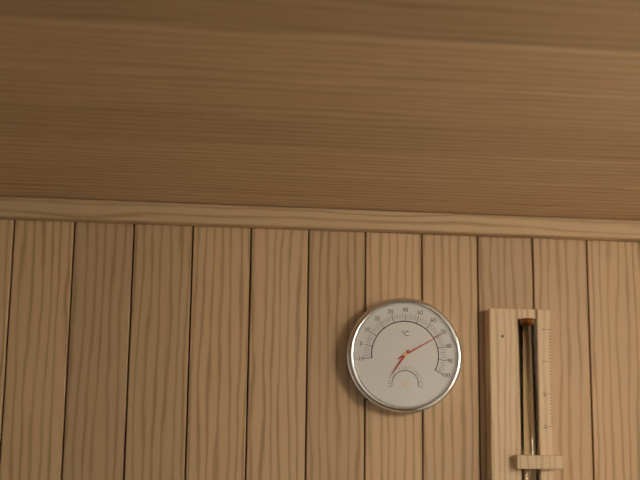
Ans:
7h10
